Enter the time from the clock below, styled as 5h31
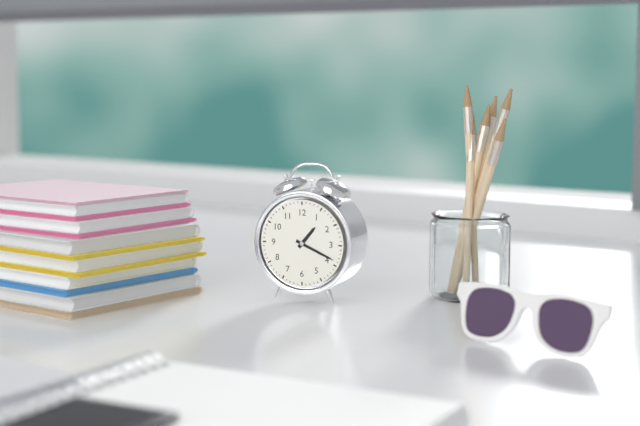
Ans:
1h19
